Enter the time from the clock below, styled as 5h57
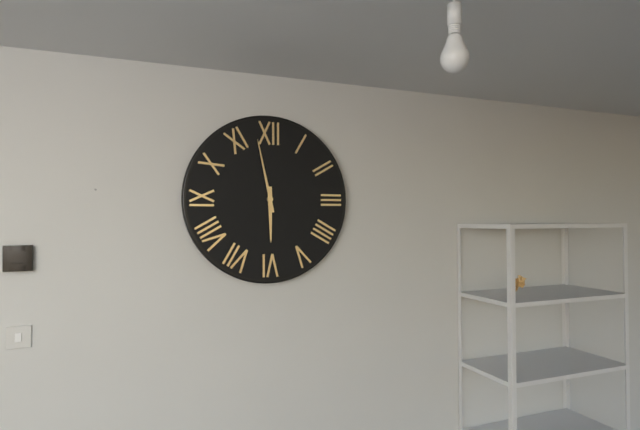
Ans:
5h58
